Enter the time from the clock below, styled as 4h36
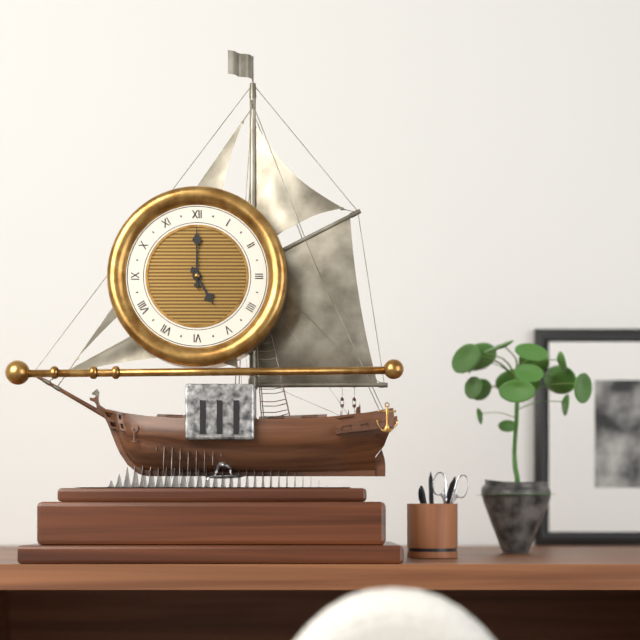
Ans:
5h00
